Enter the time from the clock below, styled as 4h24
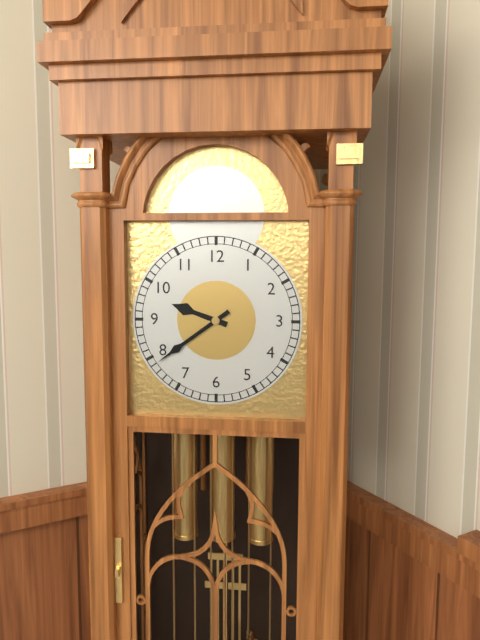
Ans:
9h39
